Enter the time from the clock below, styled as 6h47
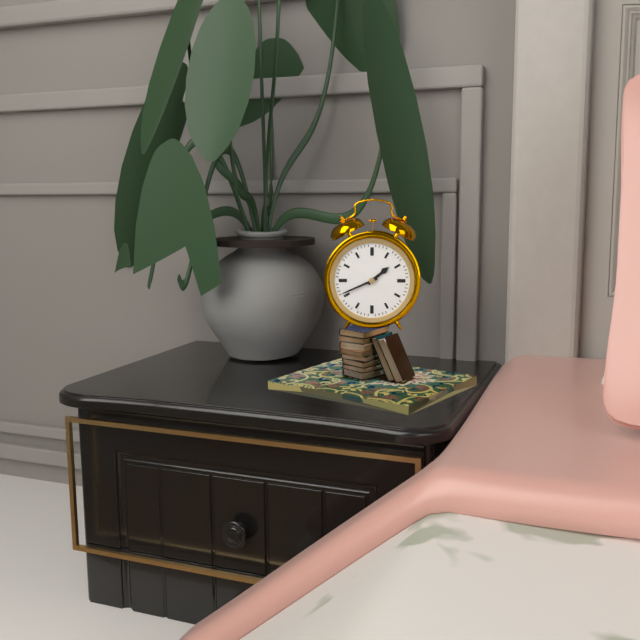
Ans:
1h41
